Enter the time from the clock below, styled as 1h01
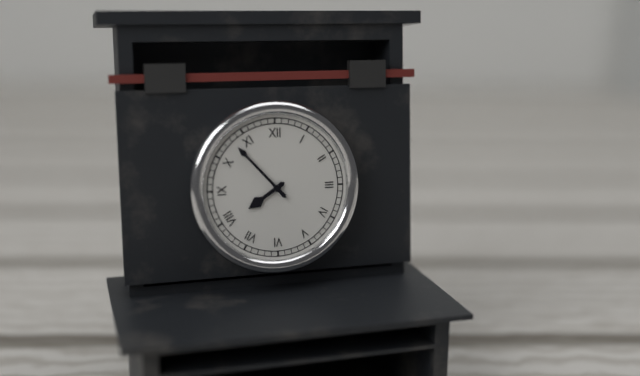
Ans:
7h53
